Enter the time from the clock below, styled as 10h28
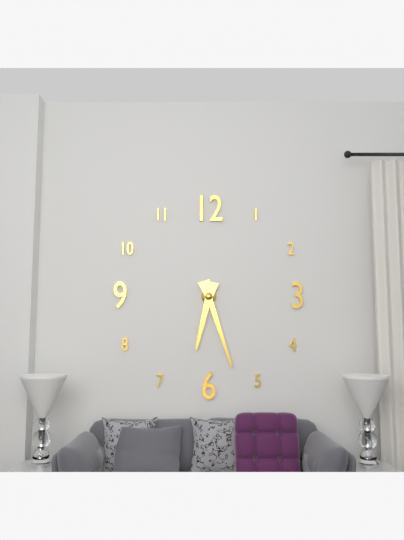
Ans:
6h27
